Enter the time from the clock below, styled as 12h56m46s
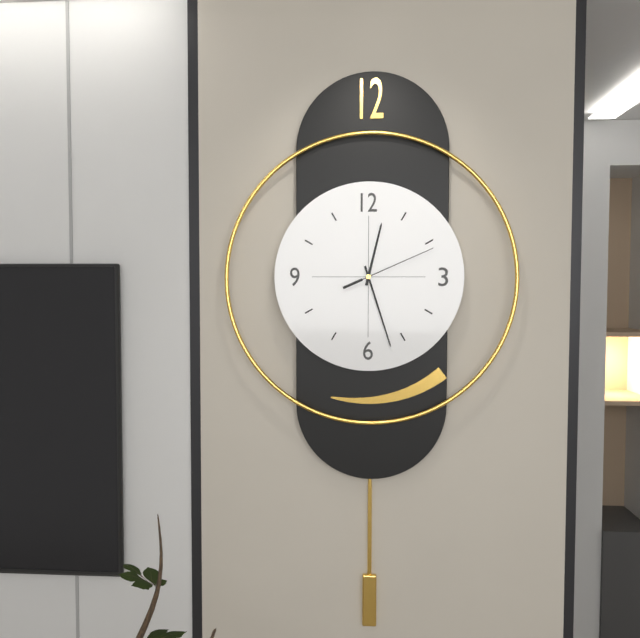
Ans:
12h27m11s
